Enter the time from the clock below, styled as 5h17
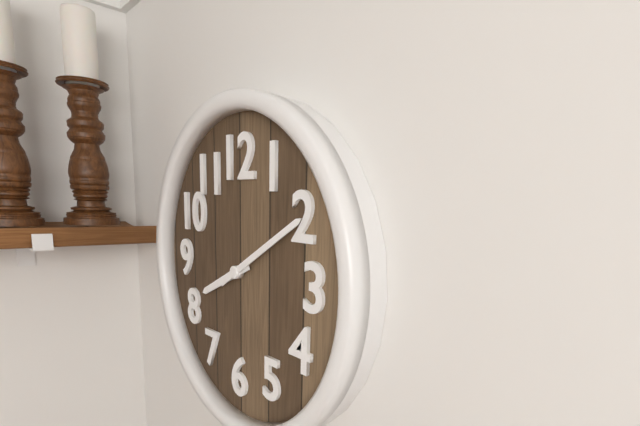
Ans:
8h10
